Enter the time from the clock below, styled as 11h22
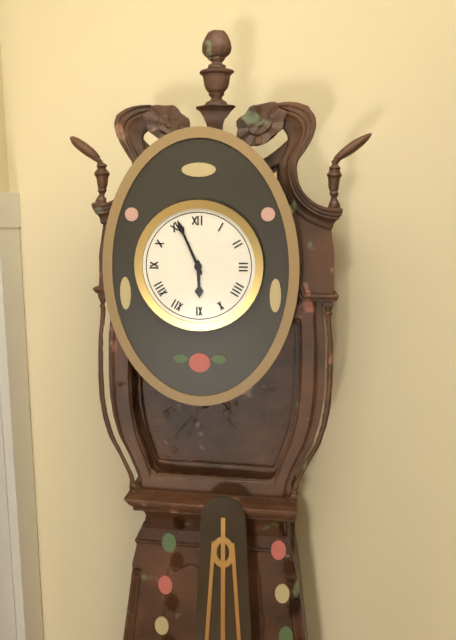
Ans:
5h56
